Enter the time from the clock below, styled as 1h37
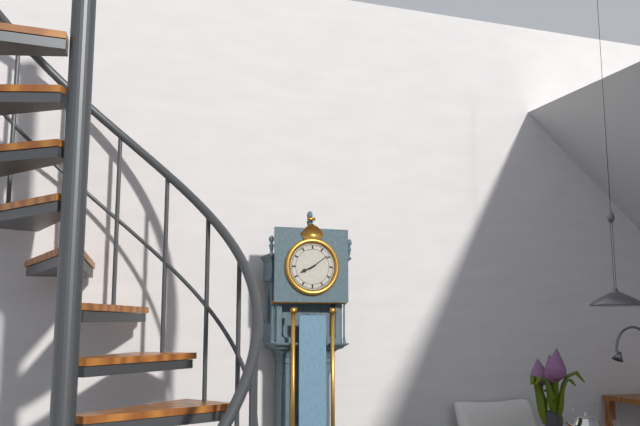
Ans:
8h09
